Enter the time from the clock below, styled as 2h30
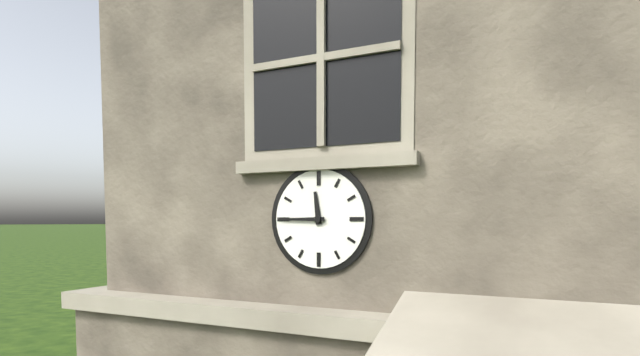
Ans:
11h45
